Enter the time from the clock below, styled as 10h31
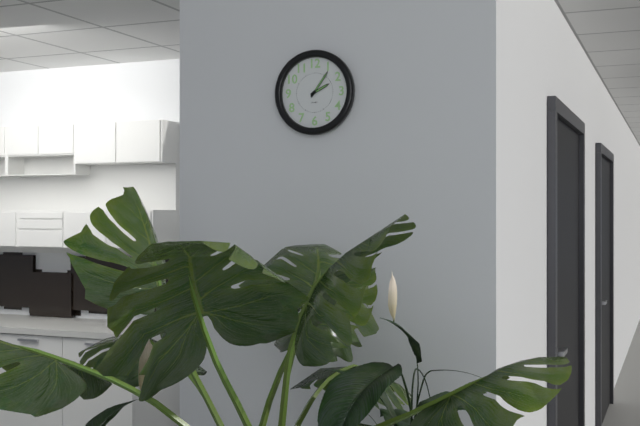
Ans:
2h06
